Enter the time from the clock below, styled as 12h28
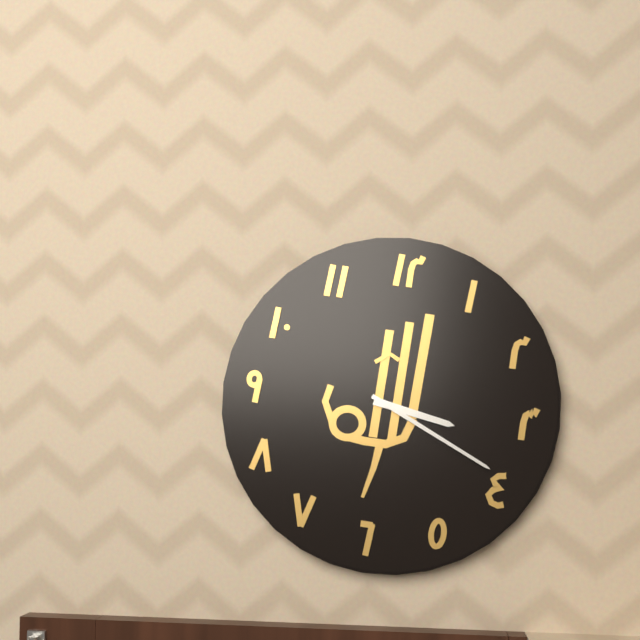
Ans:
3h19
